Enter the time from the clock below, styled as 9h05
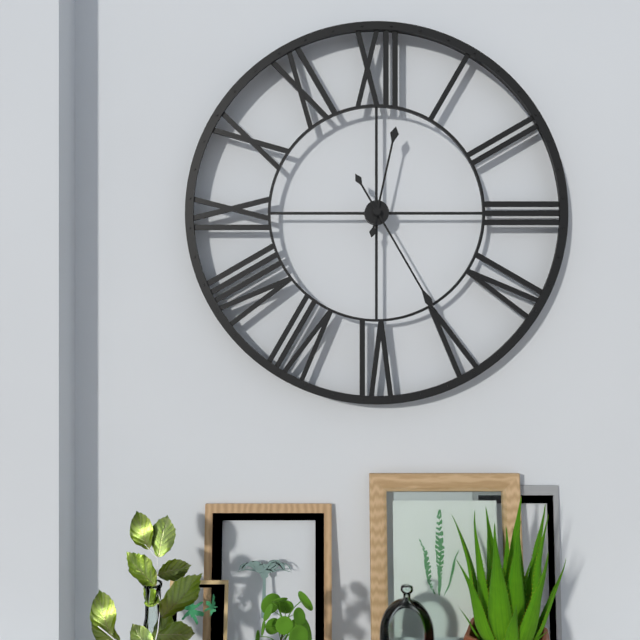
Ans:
12h25
